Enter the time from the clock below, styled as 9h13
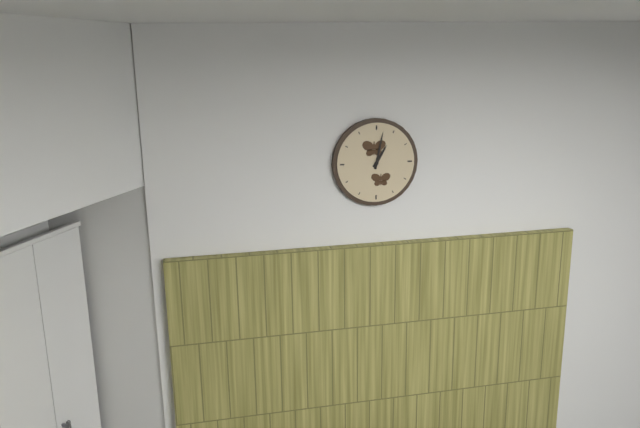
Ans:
1h02
